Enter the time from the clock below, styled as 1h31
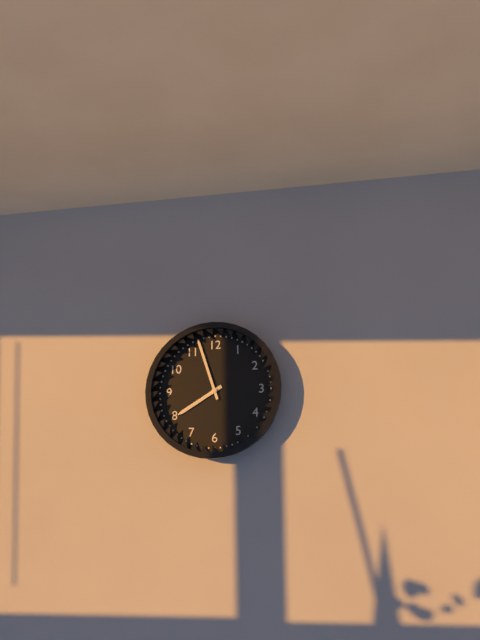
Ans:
7h57
